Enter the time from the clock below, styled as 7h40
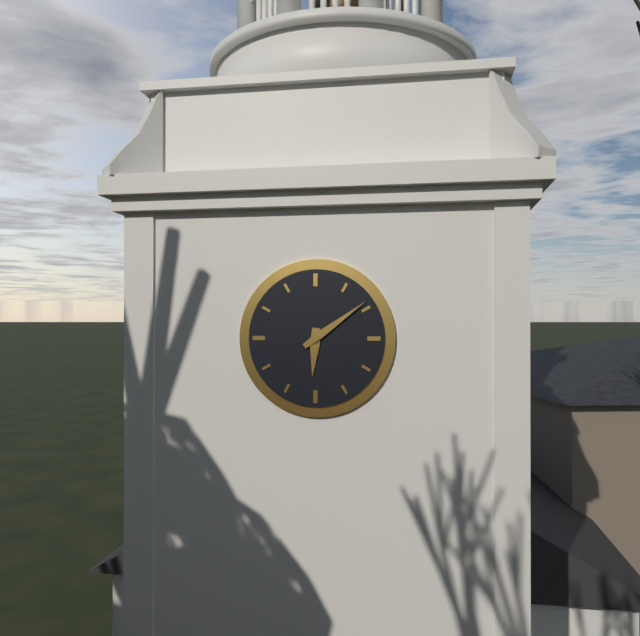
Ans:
6h09
